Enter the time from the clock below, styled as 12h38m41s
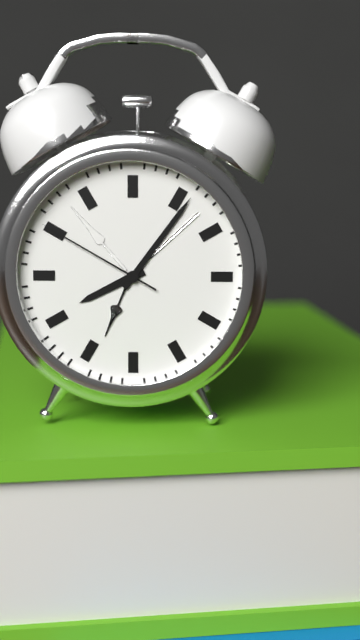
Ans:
8h06m50s
